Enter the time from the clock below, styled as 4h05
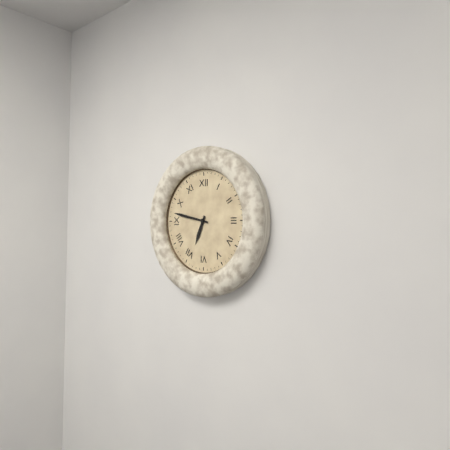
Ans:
6h47
